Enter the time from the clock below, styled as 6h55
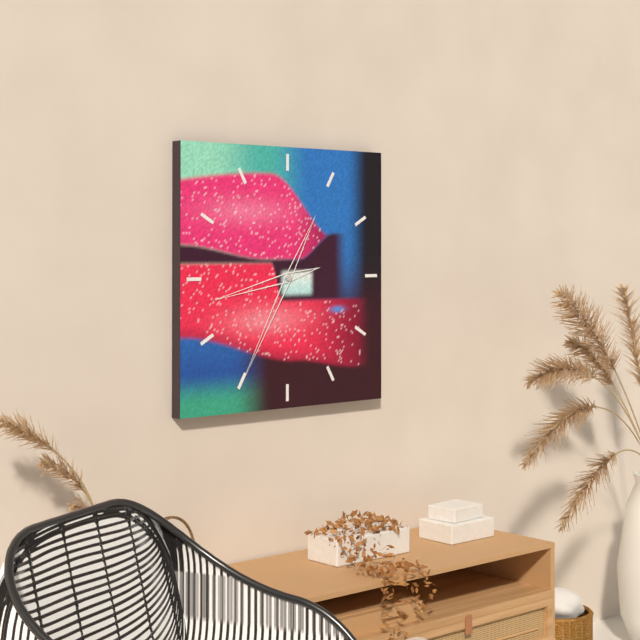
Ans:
8h35
